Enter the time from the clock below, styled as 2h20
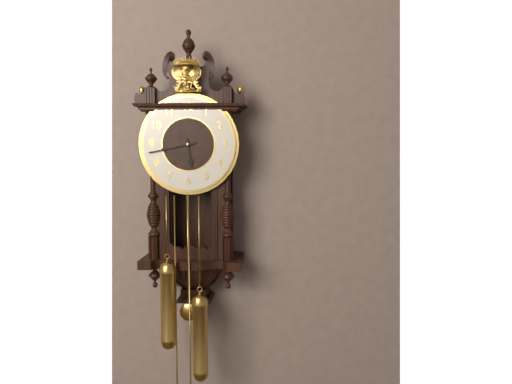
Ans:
5h43
